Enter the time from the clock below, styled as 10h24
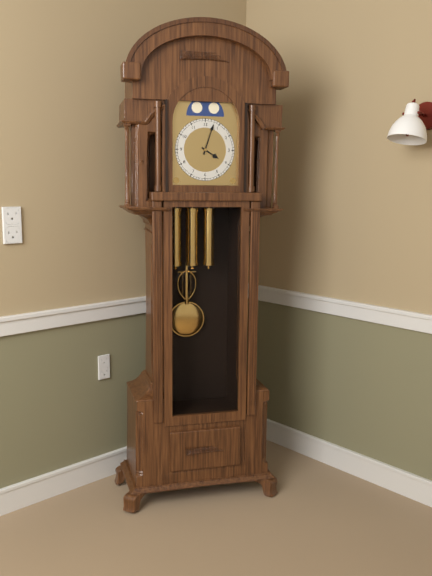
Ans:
4h03
